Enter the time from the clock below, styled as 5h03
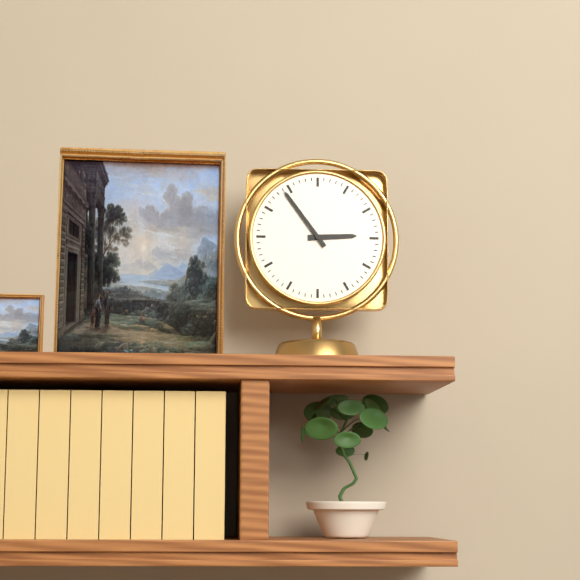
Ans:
2h54
